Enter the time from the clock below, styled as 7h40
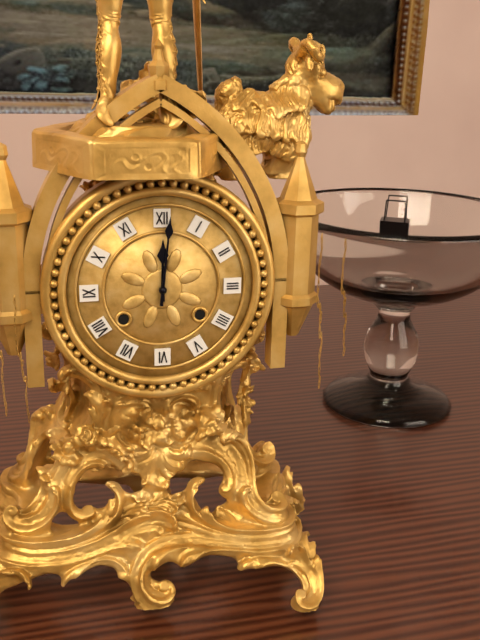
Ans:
12h01
